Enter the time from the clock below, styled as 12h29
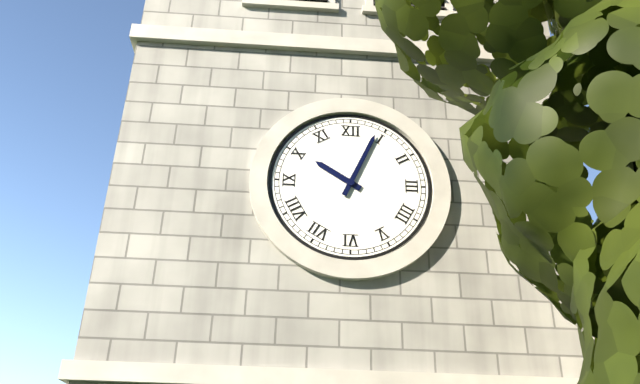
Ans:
10h04
